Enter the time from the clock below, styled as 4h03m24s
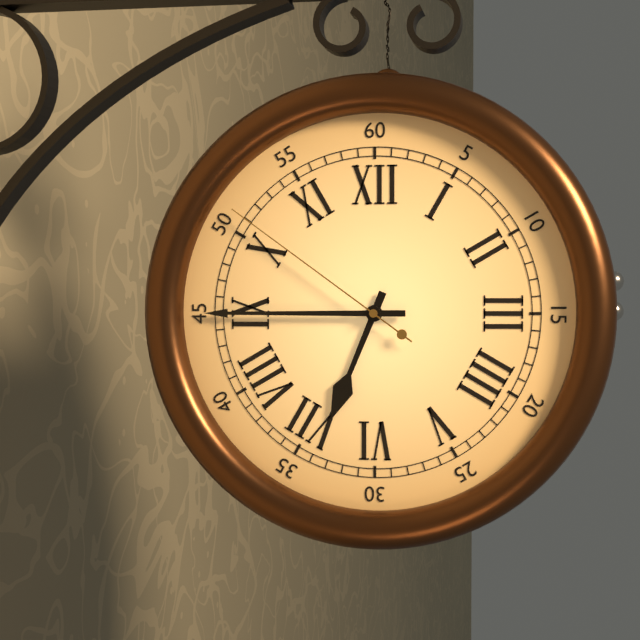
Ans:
6h45m51s
